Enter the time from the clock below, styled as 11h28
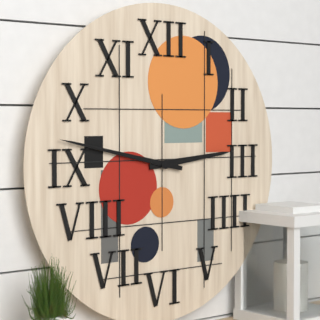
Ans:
2h47
